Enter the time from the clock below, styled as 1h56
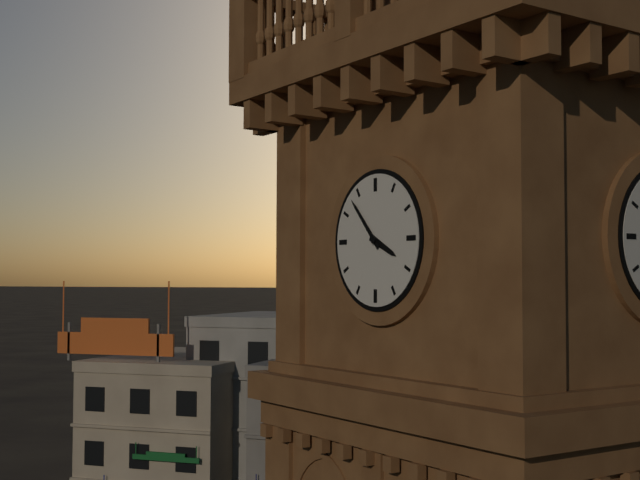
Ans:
3h53
